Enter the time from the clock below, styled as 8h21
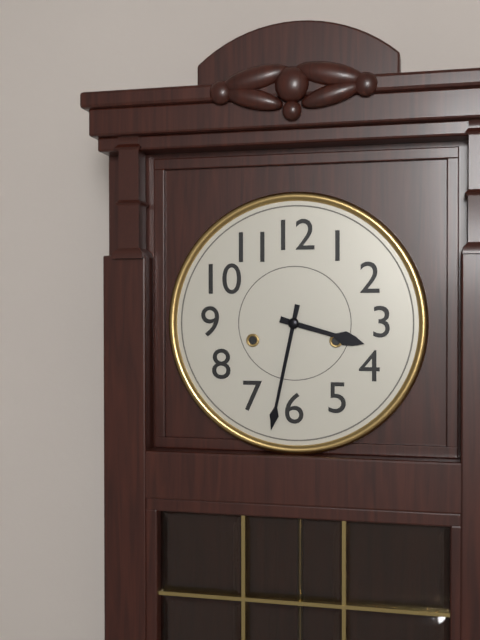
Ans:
3h32
